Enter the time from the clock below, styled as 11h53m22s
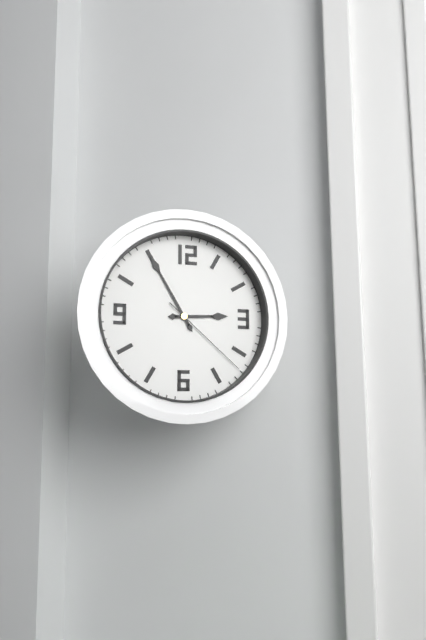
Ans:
2h55m22s
